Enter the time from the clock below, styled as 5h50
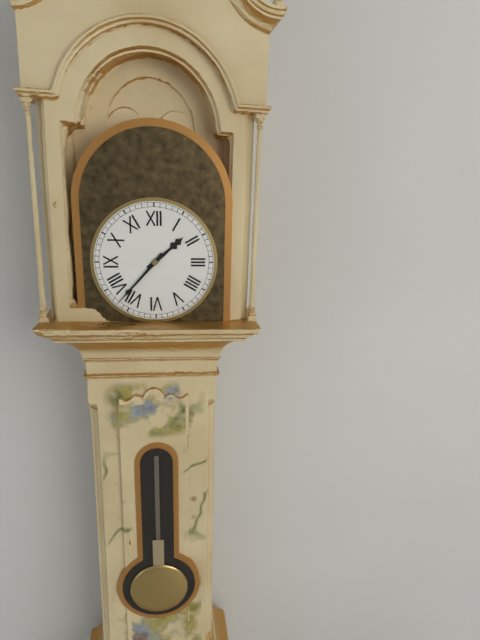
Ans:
1h37
